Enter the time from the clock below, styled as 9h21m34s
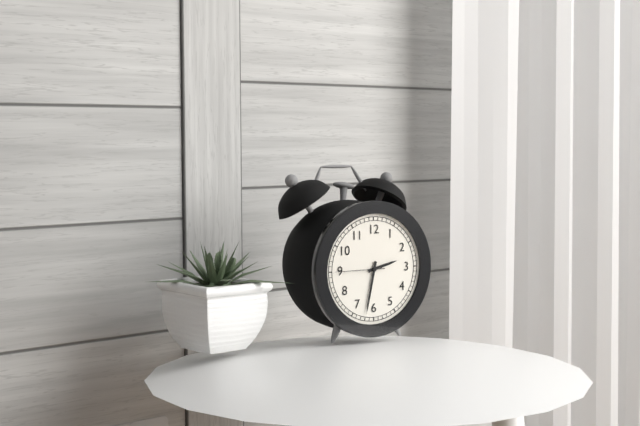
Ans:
2h32m45s
